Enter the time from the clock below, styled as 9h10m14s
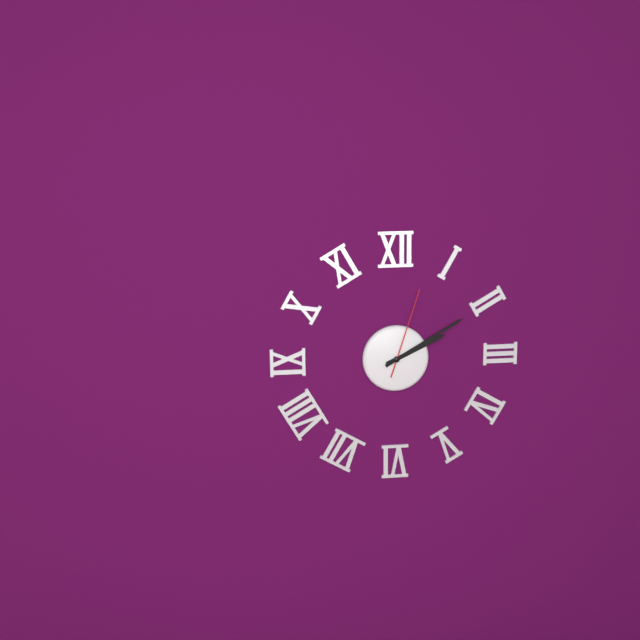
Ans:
2h10m03s
